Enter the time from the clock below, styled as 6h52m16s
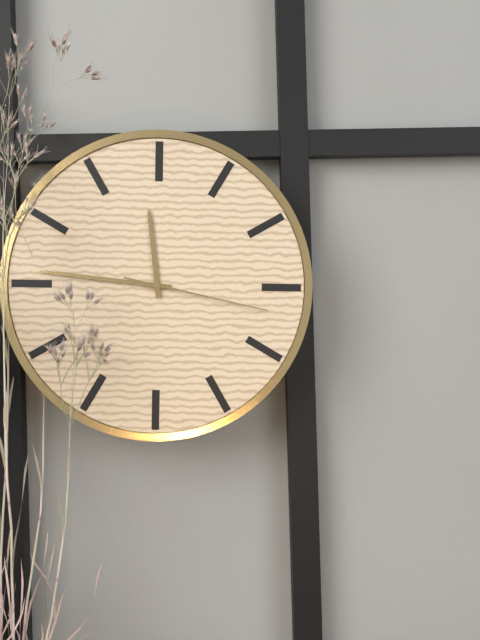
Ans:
11h46m17s
